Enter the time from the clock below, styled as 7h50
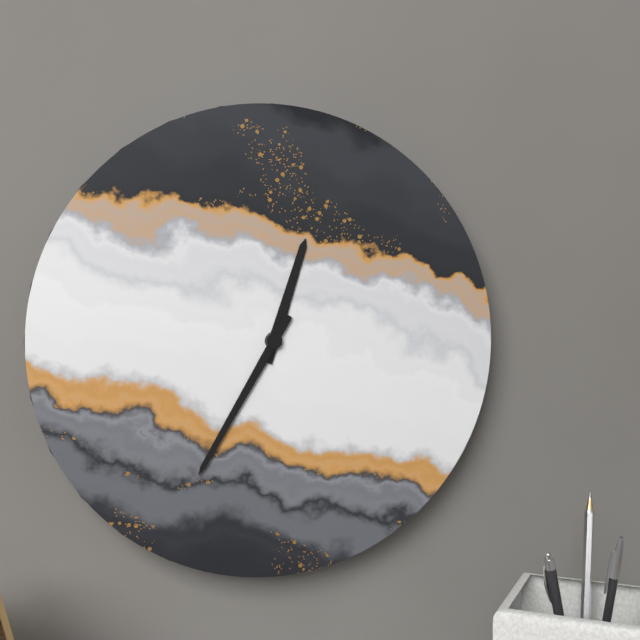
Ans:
12h35
